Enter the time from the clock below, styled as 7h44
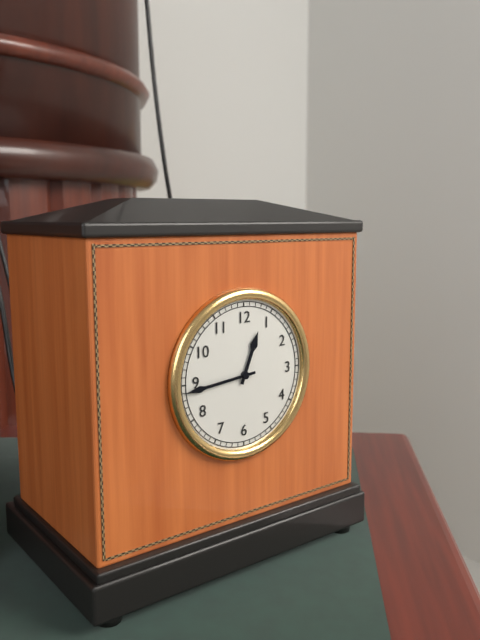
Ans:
12h44
